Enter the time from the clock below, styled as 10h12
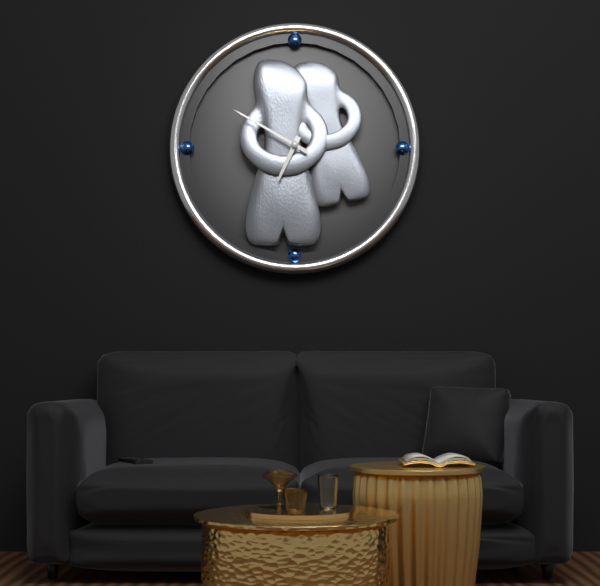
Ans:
6h50
